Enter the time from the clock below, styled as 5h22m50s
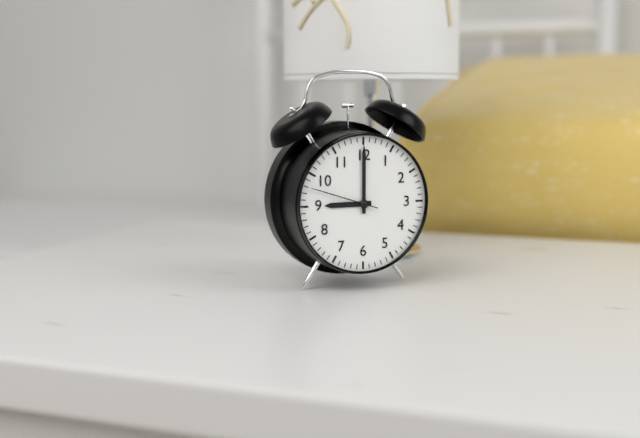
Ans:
9h00m48s
